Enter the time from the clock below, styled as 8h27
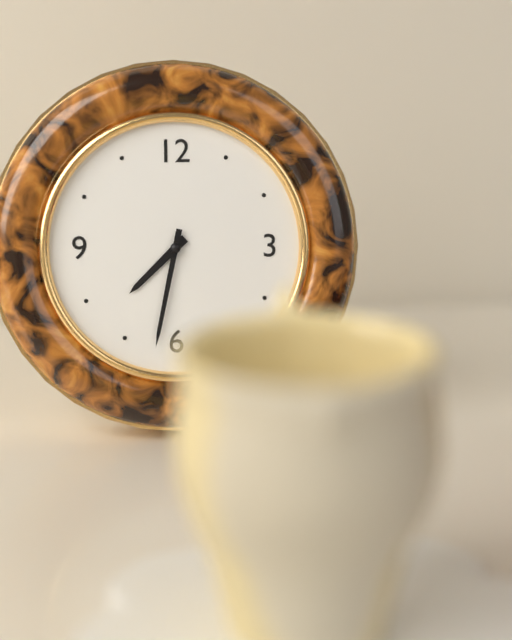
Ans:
7h32
